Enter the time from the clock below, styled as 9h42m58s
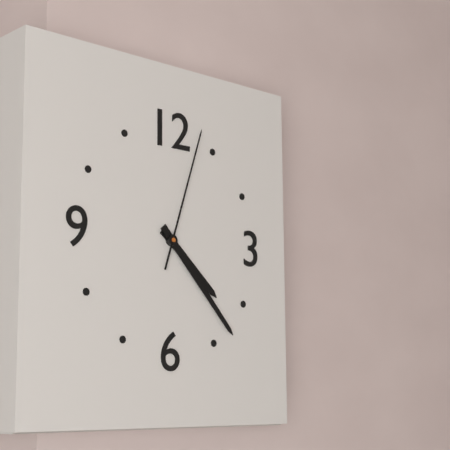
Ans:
4h23m03s
